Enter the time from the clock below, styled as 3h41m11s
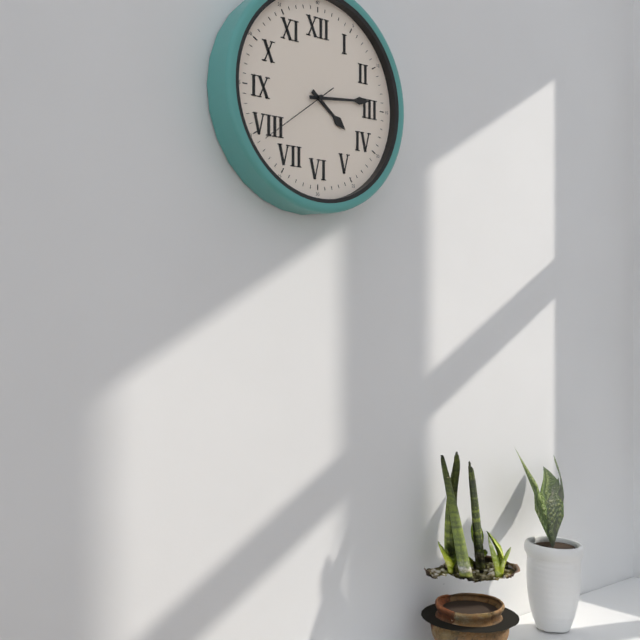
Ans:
4h14m39s
